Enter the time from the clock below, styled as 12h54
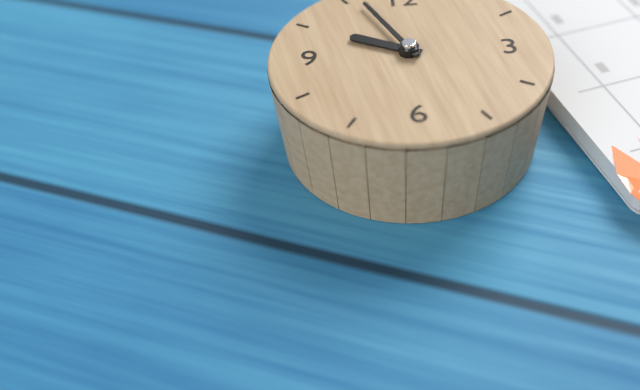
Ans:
9h56
